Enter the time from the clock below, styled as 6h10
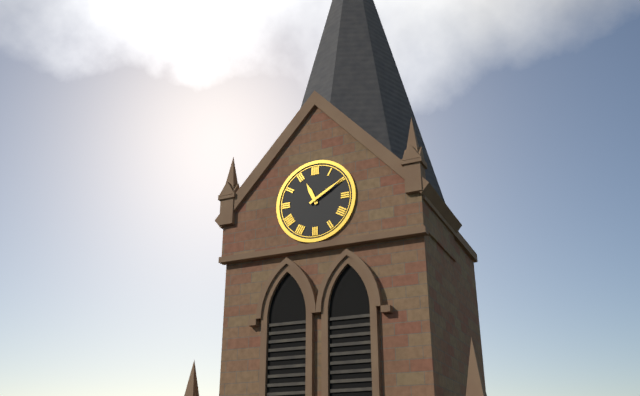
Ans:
11h10
